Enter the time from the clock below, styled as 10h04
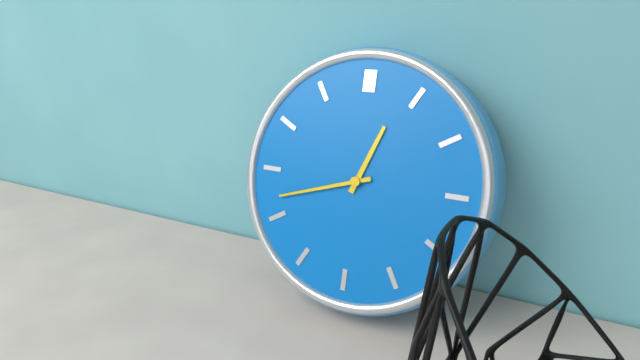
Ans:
12h42
